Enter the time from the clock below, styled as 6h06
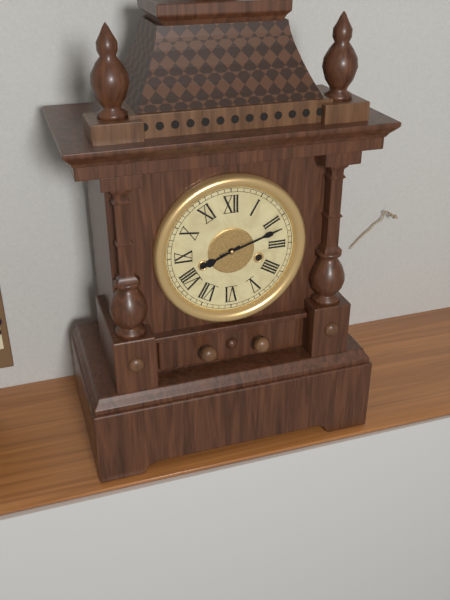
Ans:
8h12
